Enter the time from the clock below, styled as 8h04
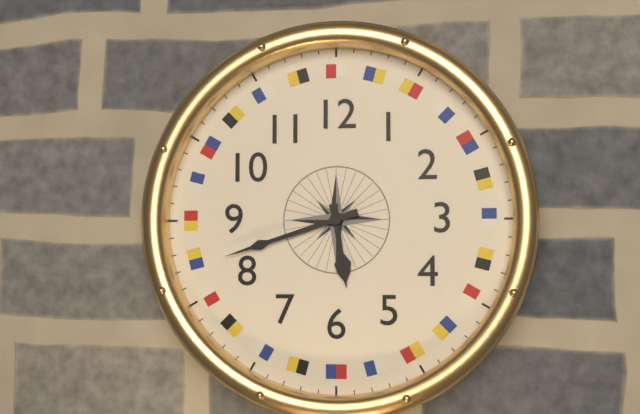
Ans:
5h42
